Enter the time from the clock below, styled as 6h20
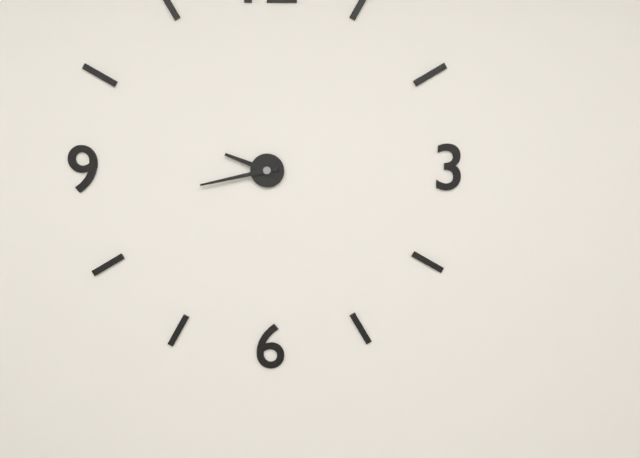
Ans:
9h43
